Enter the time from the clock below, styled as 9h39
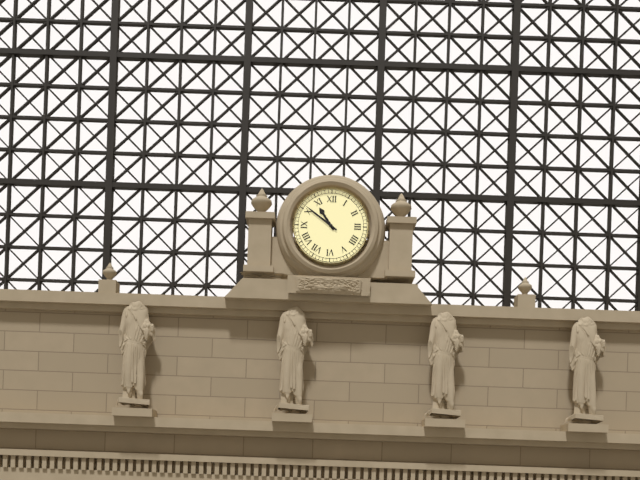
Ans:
10h51
